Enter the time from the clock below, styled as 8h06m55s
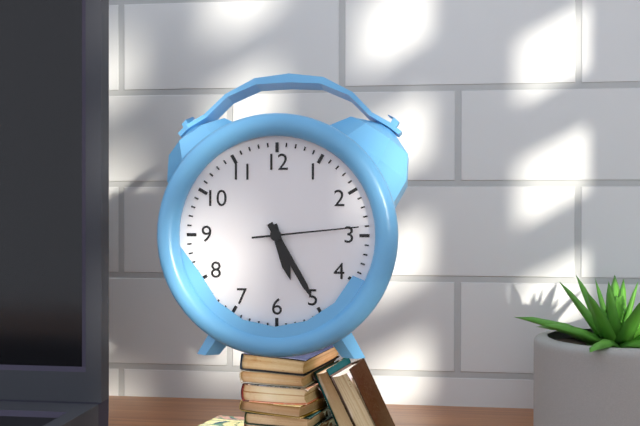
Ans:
5h25m14s
